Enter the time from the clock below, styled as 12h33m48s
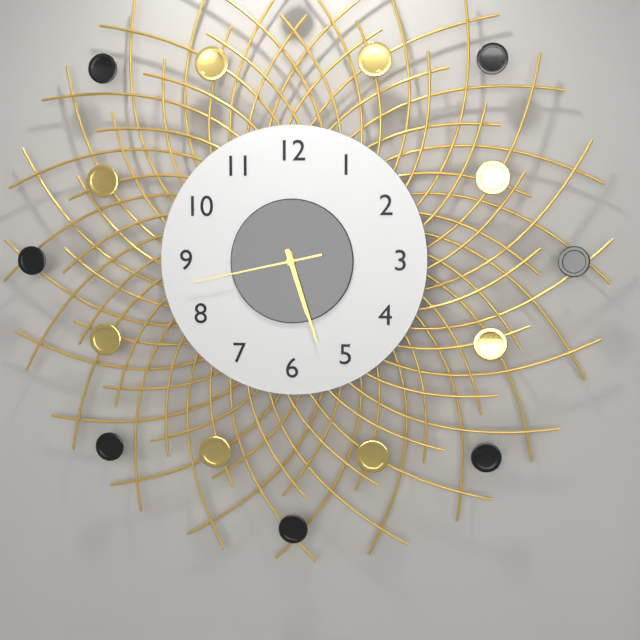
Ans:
5h27m43s
